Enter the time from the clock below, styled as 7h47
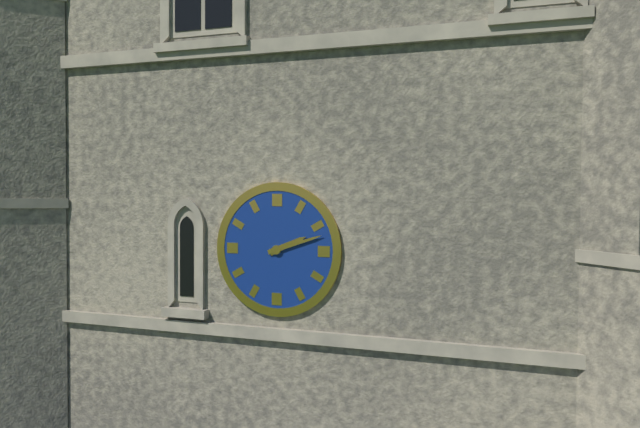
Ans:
2h12
